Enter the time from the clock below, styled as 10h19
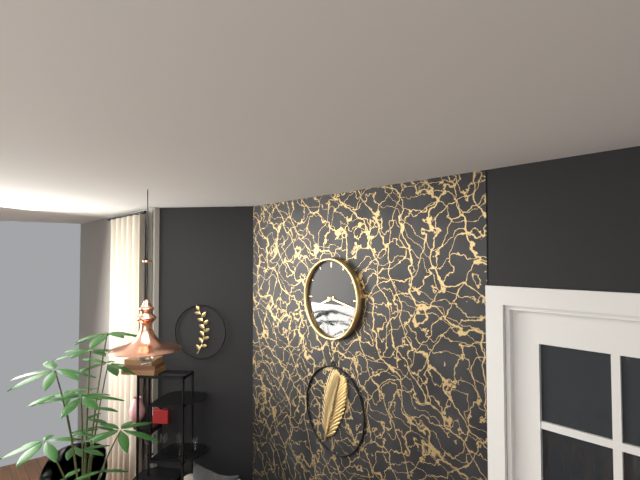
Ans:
8h17
